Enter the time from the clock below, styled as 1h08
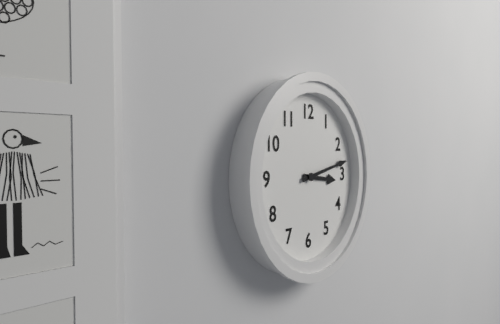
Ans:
3h13
